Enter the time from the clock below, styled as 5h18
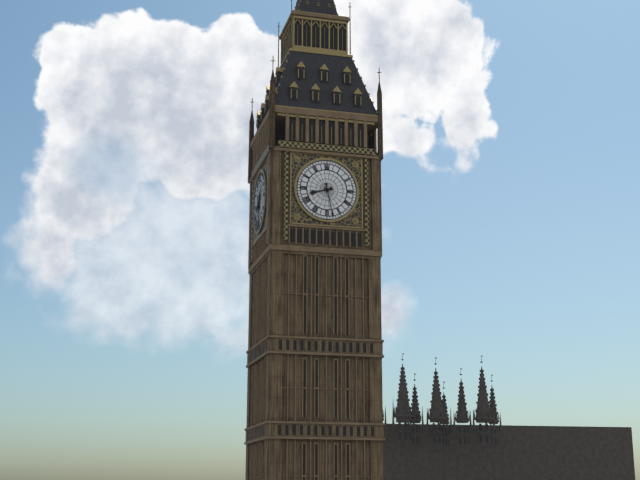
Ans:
8h28
